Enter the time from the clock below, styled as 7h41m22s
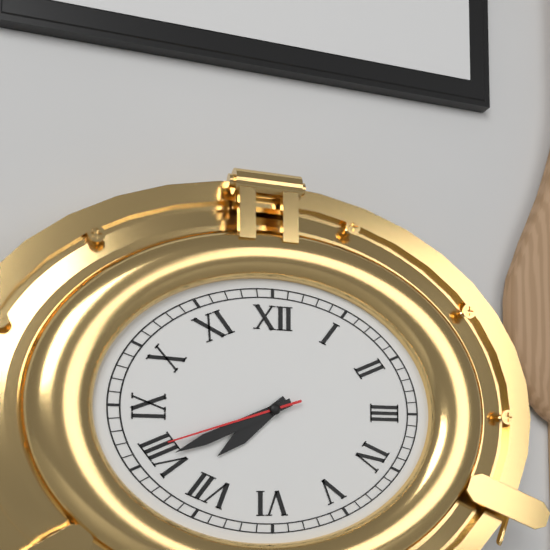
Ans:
7h41m42s
